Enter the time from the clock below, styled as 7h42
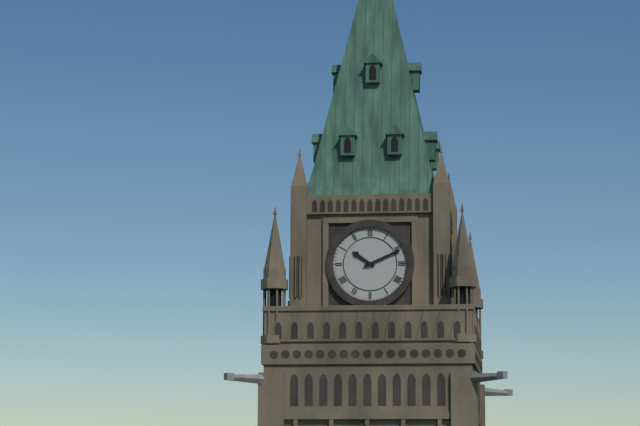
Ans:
10h11
